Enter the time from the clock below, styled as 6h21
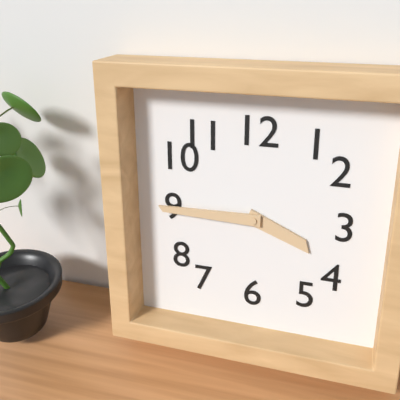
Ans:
3h45
